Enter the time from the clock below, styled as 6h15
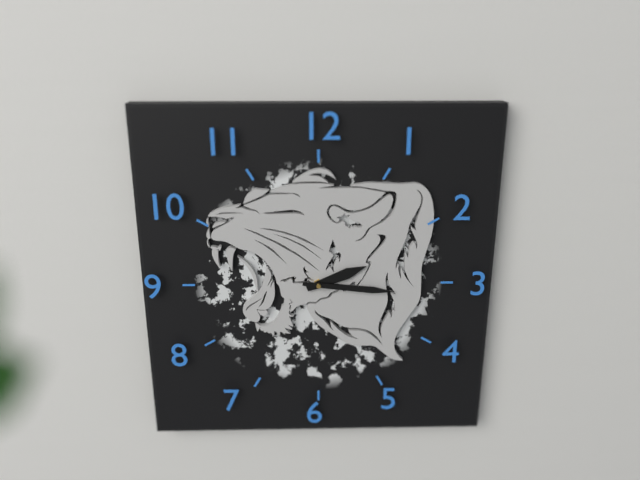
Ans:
2h16
